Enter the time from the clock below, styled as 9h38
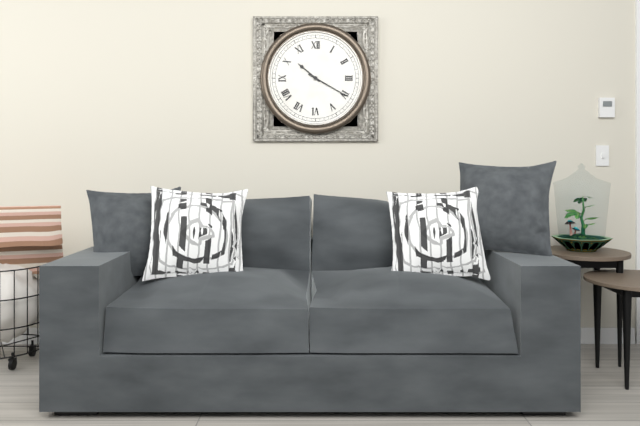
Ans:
10h20
